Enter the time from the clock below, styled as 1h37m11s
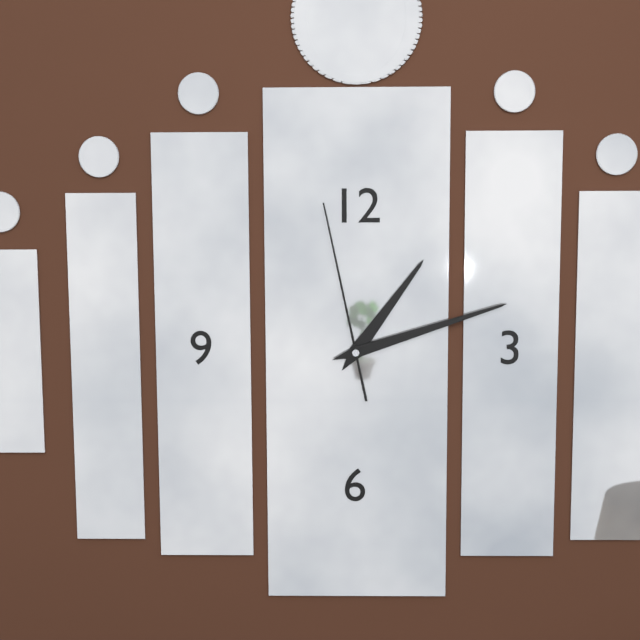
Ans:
1h12m58s
